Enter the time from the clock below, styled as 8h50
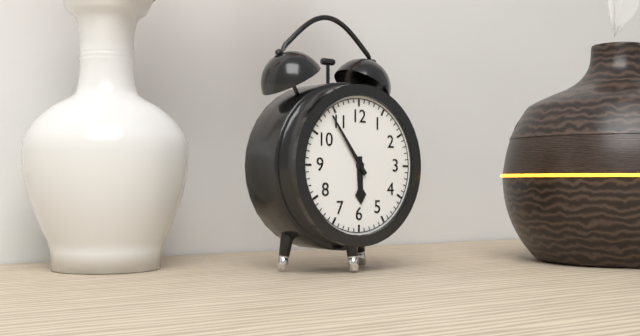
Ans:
5h54
